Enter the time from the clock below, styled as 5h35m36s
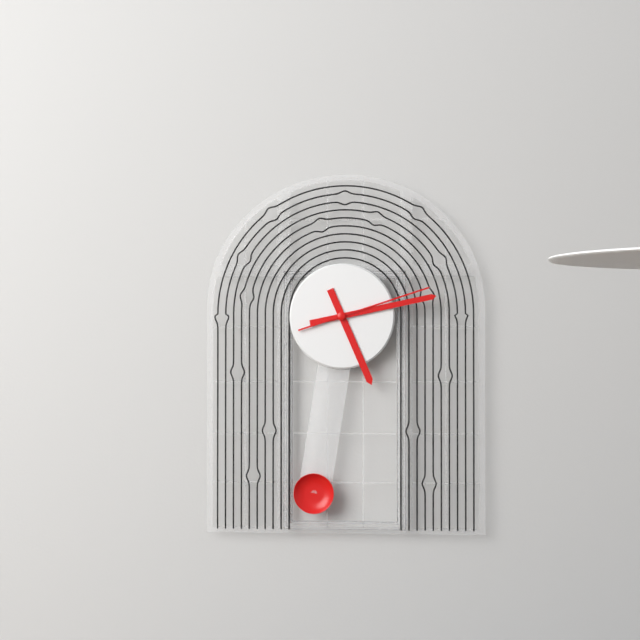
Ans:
5h13m12s
